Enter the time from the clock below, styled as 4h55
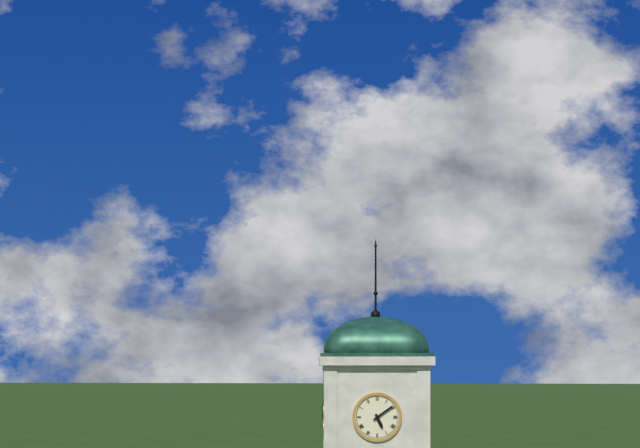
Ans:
5h09
